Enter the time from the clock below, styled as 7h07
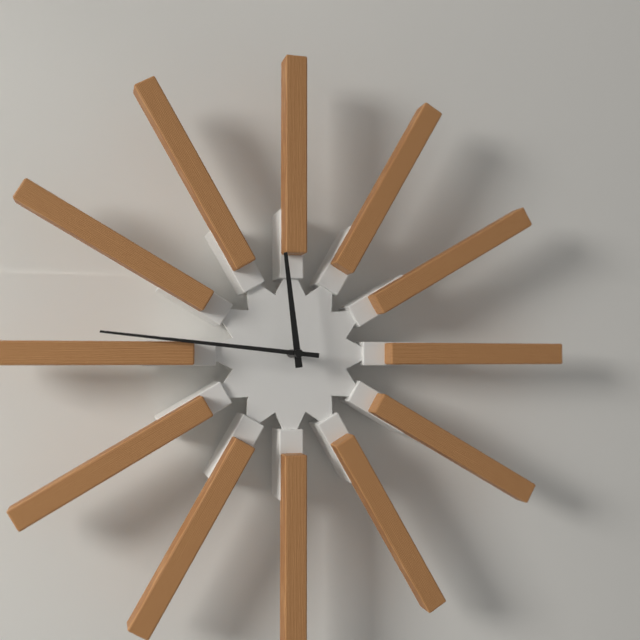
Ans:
11h46
